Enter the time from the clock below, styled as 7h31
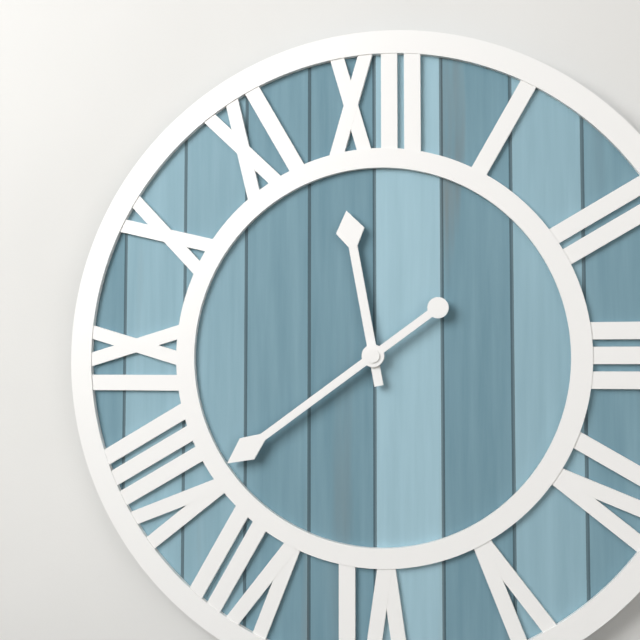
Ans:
11h39
